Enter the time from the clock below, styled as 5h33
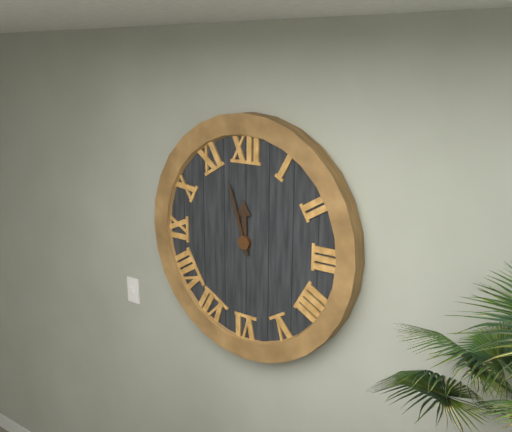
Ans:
11h57
